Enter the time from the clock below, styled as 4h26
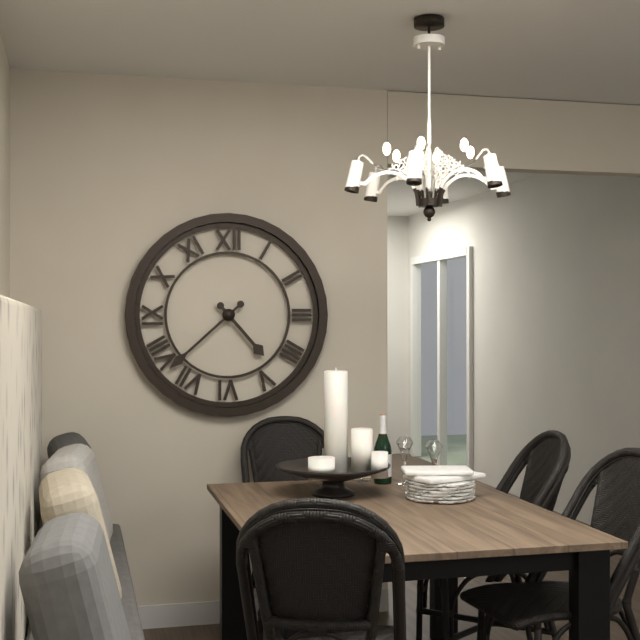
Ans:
4h38
